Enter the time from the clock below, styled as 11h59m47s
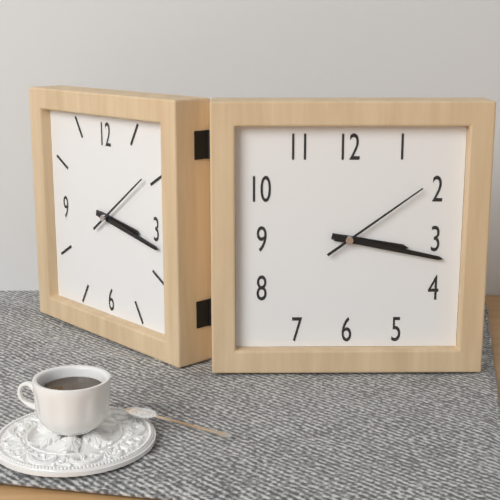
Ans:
3h17m09s
